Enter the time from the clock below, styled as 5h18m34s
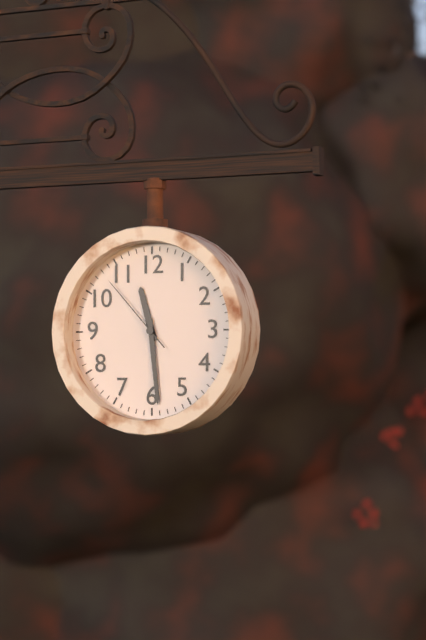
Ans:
11h29m53s
